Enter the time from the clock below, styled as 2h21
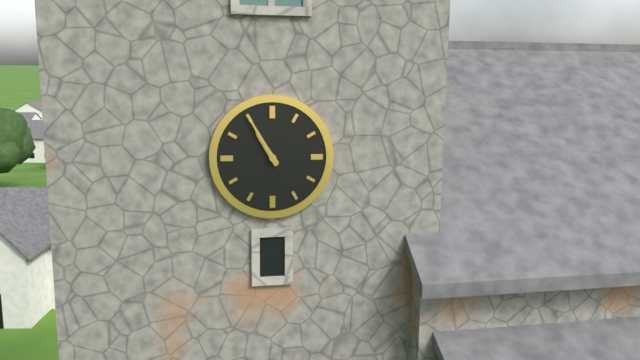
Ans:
10h55
